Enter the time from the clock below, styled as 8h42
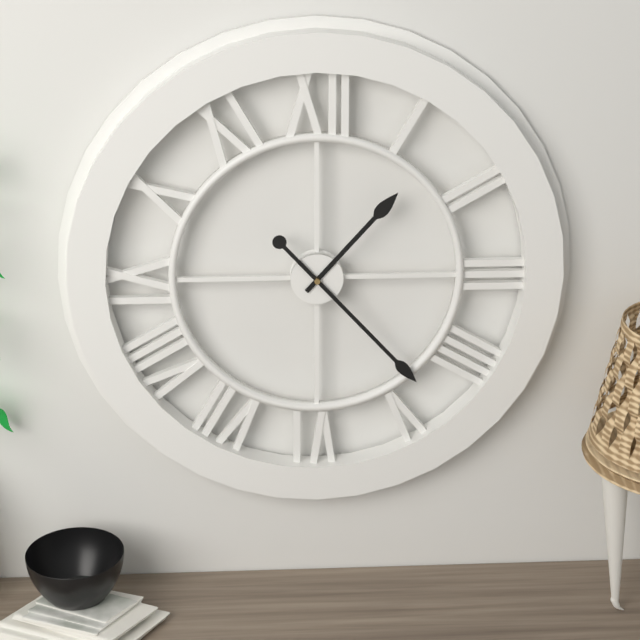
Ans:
1h23
